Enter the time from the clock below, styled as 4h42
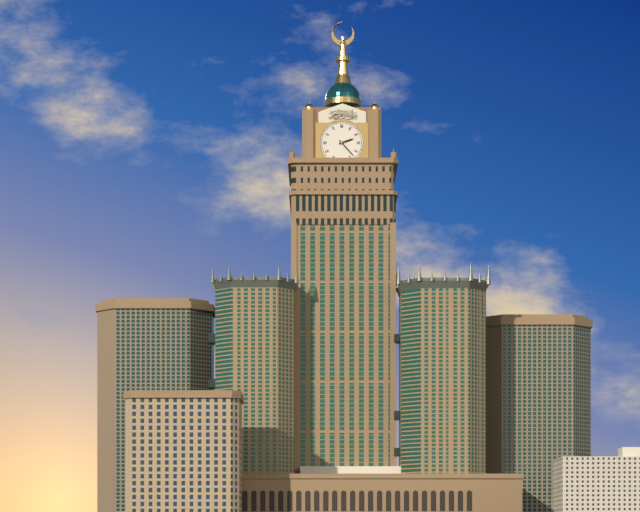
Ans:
2h23
